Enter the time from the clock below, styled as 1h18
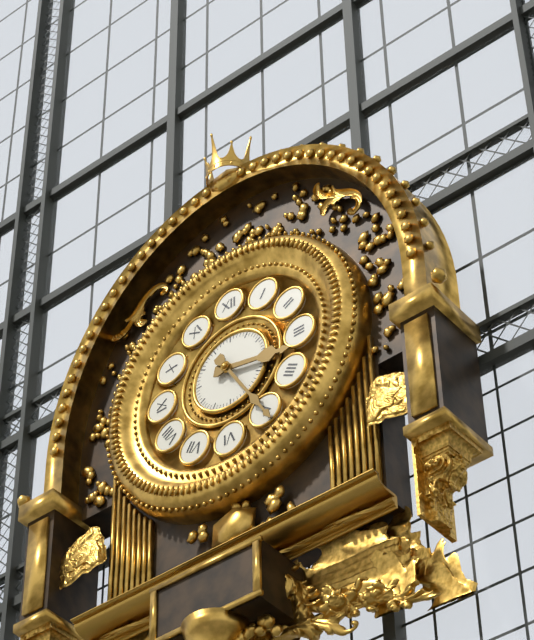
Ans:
3h25
